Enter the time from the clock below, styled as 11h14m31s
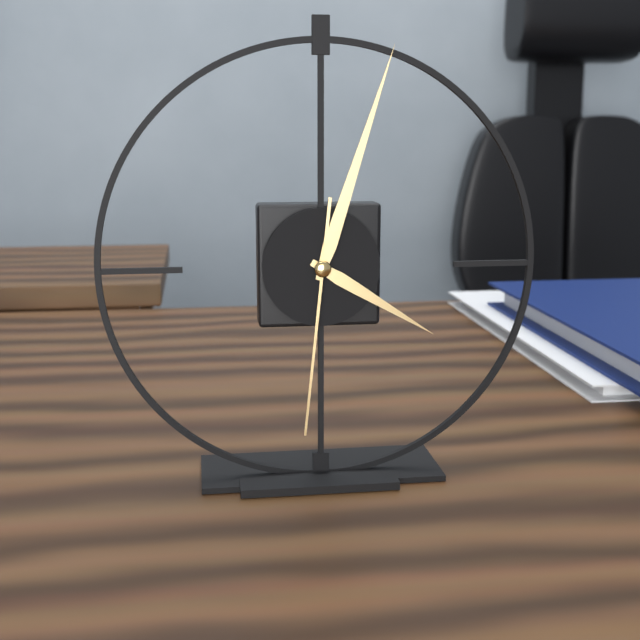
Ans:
4h03m31s
